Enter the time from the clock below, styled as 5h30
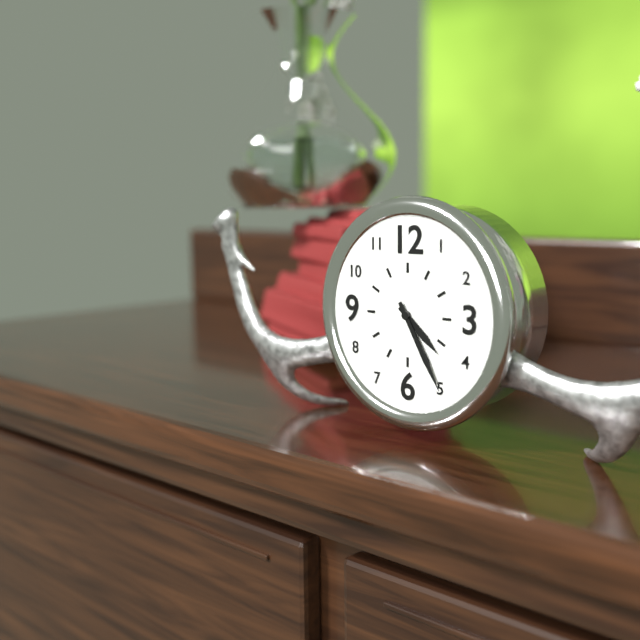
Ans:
4h25
